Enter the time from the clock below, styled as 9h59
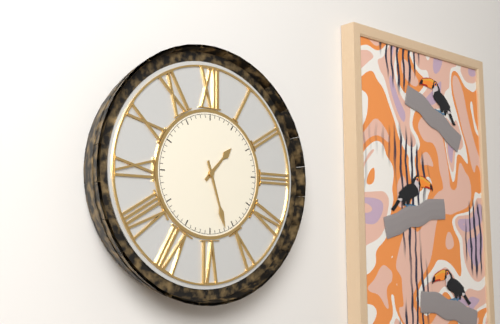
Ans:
1h27
